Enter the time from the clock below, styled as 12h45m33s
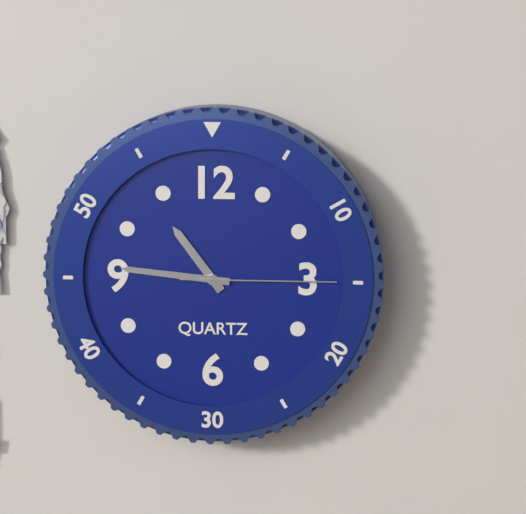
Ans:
10h46m15s
